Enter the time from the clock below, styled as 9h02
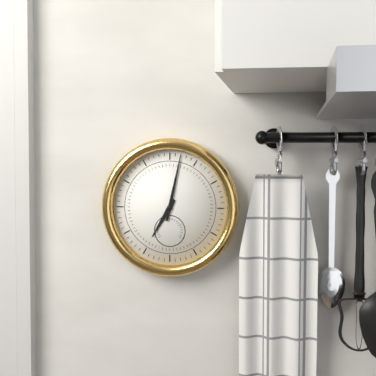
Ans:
7h02
